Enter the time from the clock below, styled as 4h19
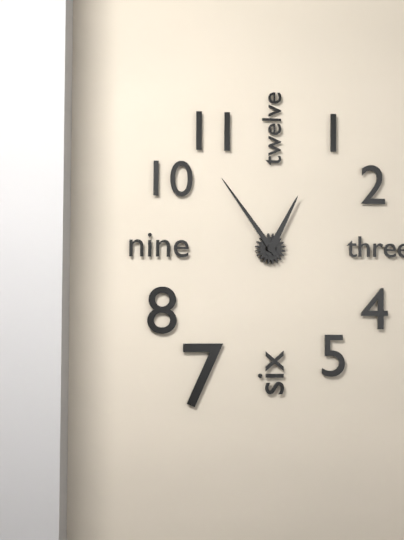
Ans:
12h54
